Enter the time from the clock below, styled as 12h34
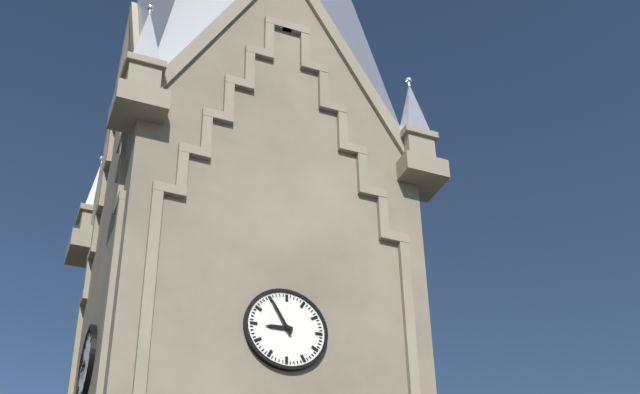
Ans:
8h55
